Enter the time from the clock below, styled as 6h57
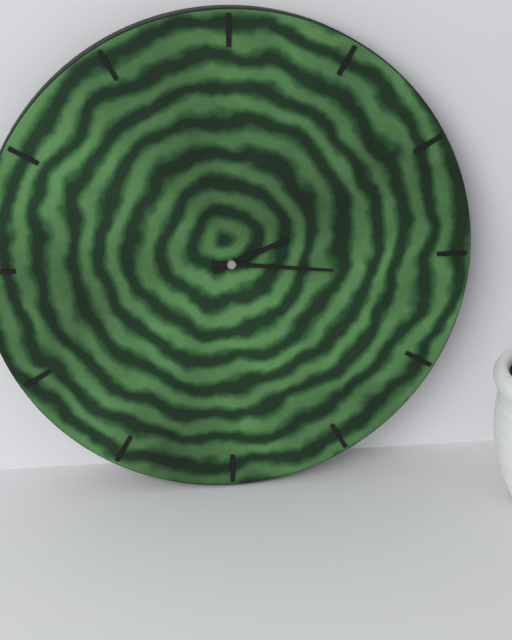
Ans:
2h16
